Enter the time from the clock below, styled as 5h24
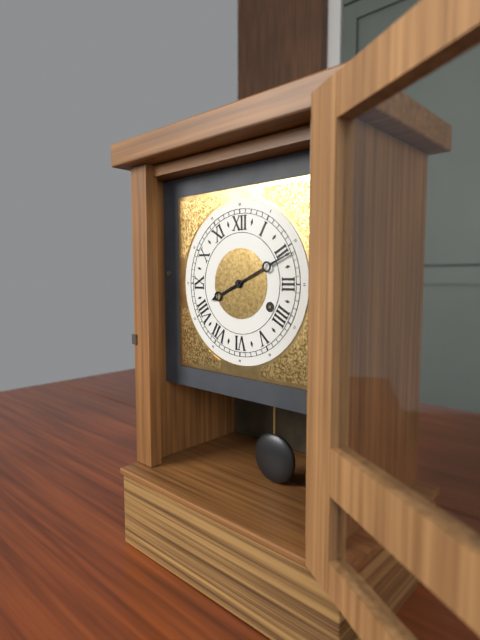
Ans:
8h11
